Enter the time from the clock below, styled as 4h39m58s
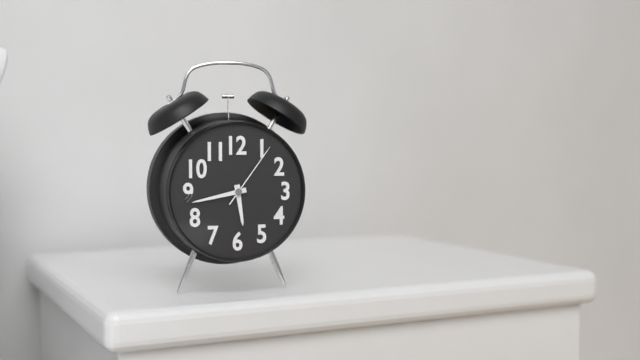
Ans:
5h43m06s
